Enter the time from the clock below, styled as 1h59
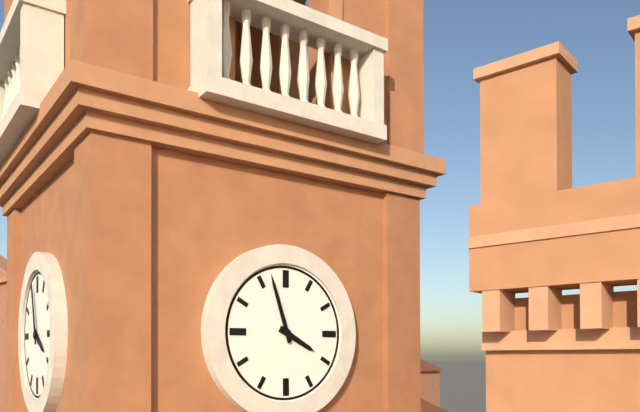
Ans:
3h57
